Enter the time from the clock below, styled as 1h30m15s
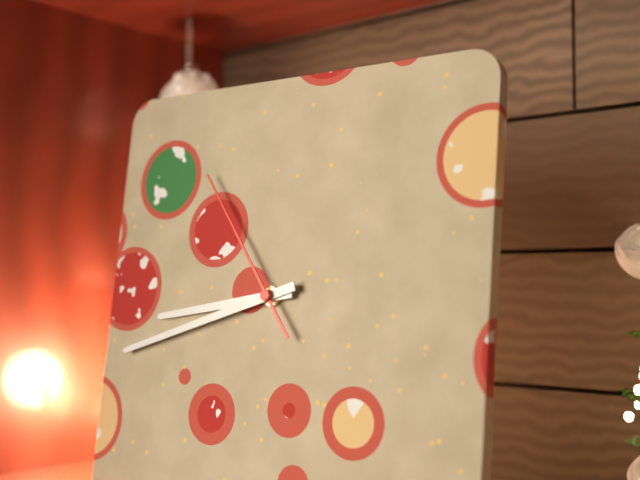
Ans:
8h42m54s
